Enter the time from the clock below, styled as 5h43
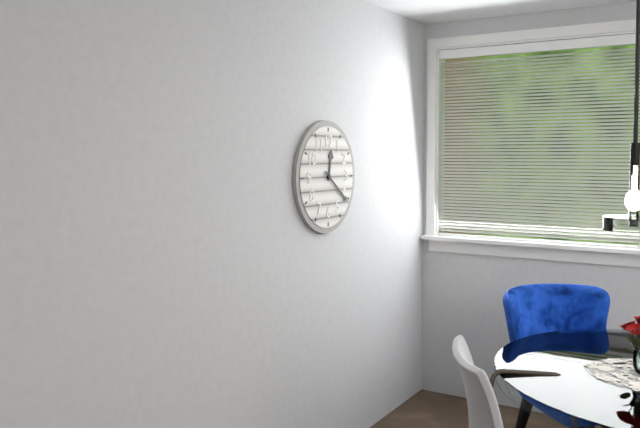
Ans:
12h21
